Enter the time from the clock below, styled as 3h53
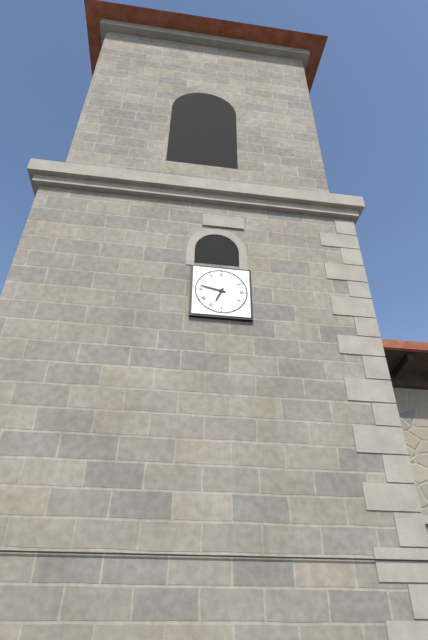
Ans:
6h47
